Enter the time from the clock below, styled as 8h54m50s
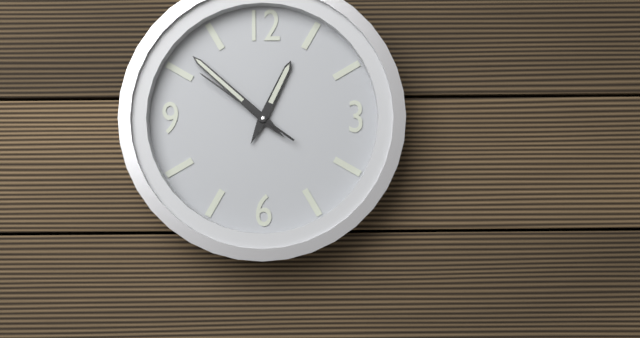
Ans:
12h52m51s
